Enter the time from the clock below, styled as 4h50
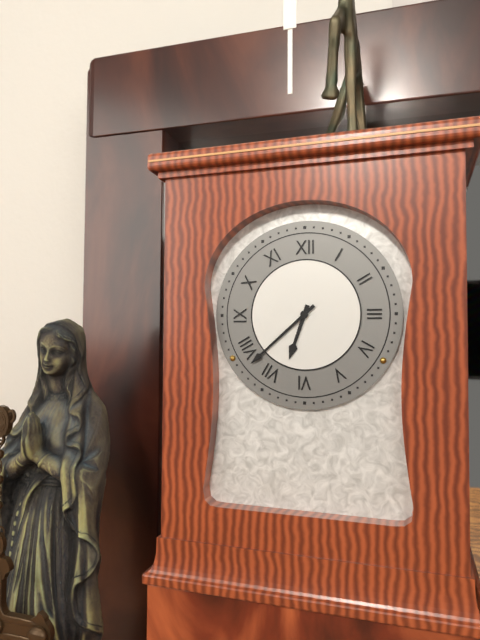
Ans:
6h38
